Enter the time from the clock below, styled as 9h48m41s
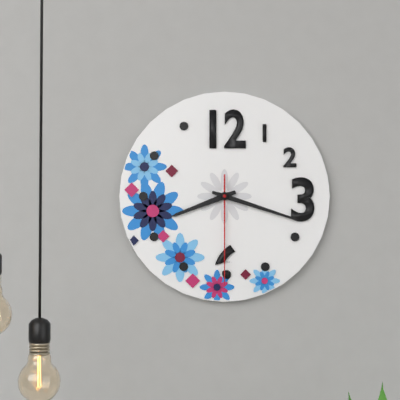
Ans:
8h18m30s
